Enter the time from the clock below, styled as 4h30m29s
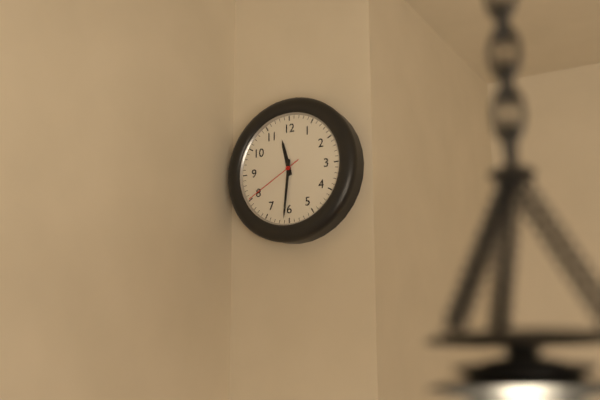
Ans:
11h31m40s
